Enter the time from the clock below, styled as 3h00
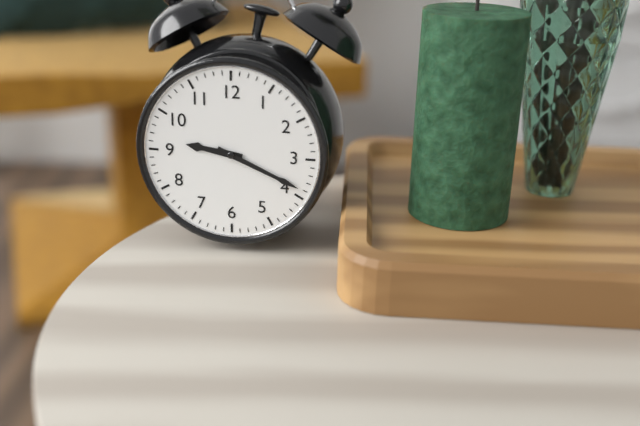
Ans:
9h19
